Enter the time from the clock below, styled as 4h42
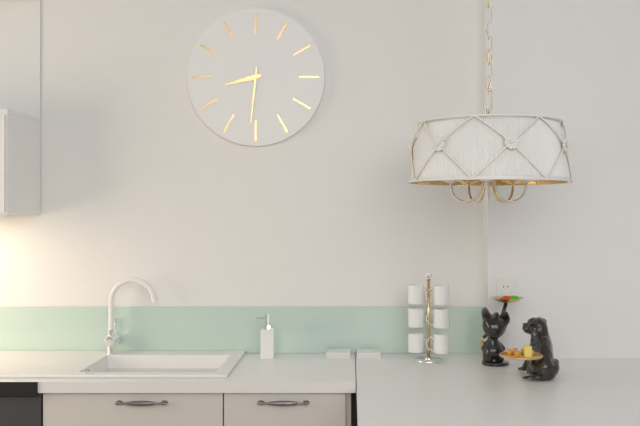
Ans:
8h31
